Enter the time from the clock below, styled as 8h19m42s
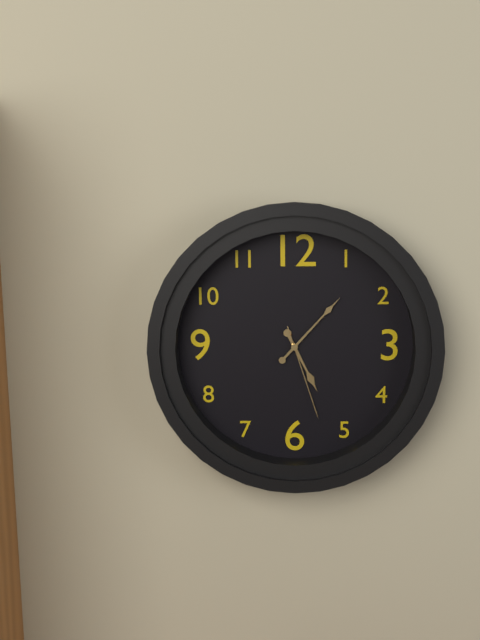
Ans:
5h07m27s
